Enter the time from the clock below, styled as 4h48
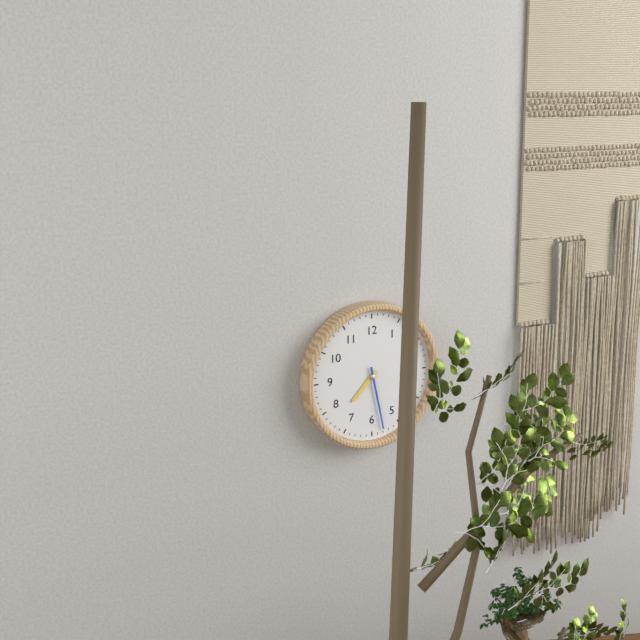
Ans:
7h28
